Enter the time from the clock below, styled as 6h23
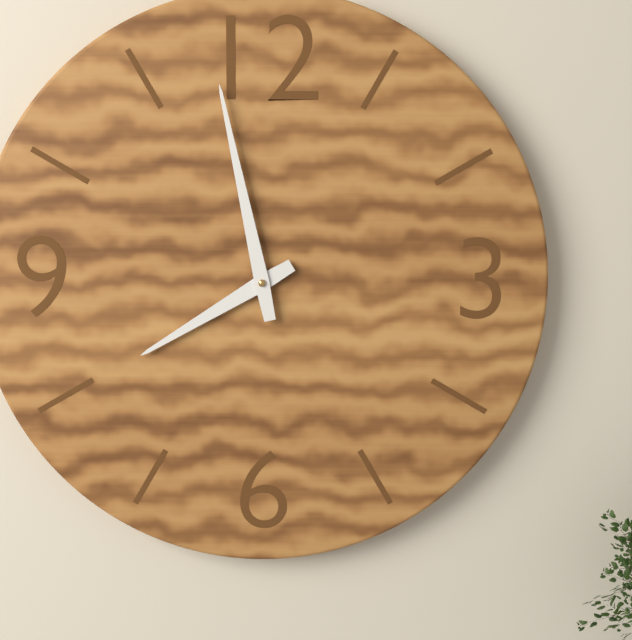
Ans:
7h58
